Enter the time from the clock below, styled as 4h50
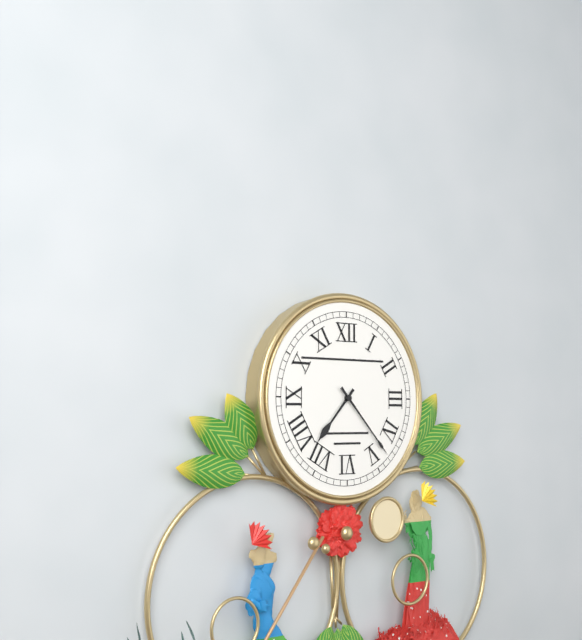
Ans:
7h23
